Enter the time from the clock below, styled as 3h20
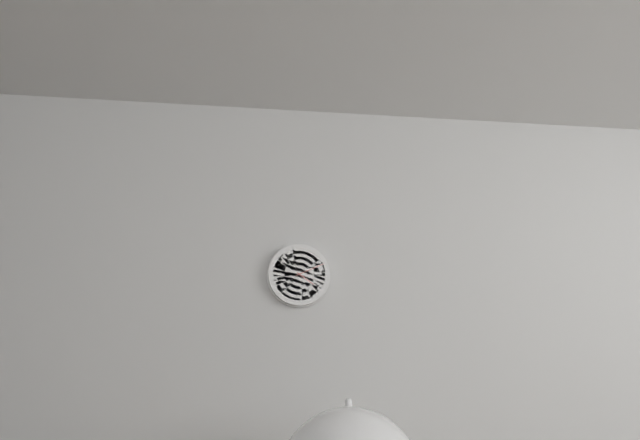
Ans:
4h11
